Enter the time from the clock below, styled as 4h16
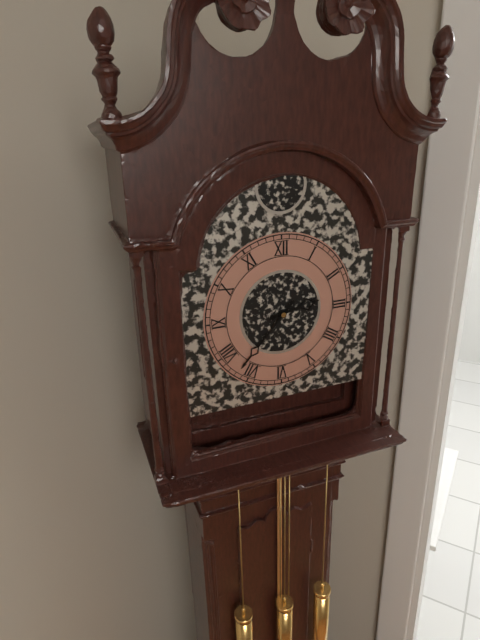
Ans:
2h37
